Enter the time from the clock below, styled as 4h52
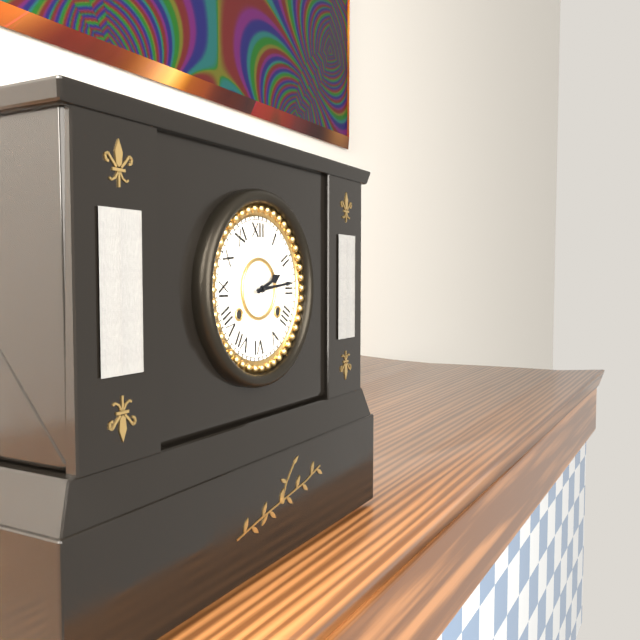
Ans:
2h14
